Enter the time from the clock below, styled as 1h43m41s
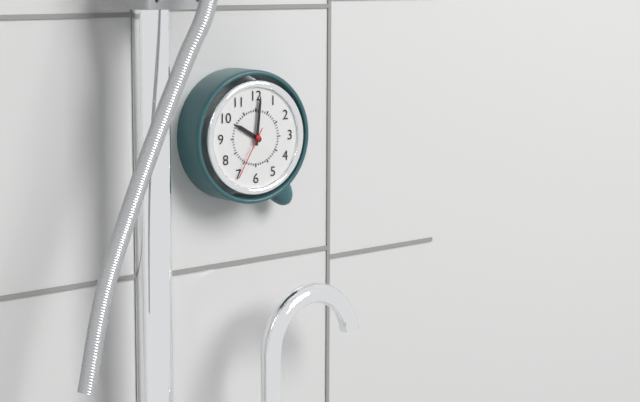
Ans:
10h01m35s
